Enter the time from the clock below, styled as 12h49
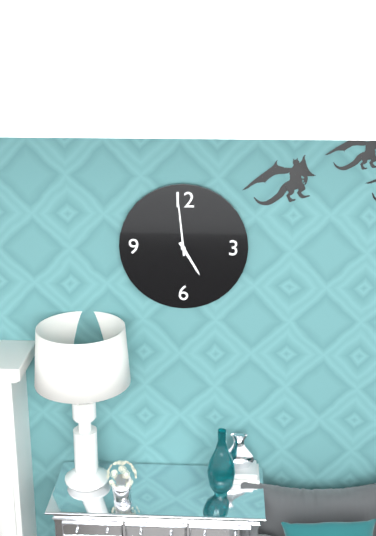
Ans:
4h59
